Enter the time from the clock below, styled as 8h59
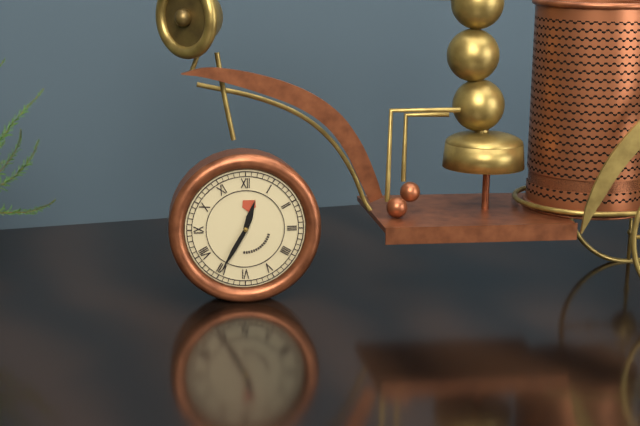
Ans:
12h35
